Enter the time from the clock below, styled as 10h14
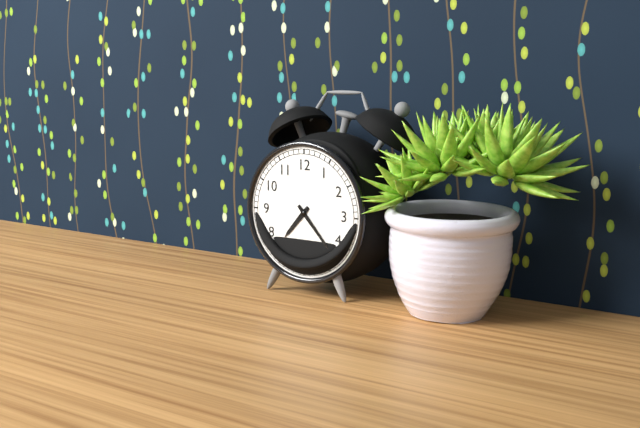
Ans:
7h23
